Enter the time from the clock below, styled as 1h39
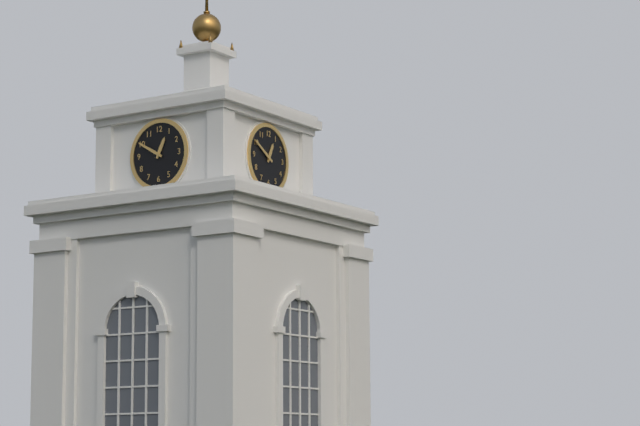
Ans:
12h50
